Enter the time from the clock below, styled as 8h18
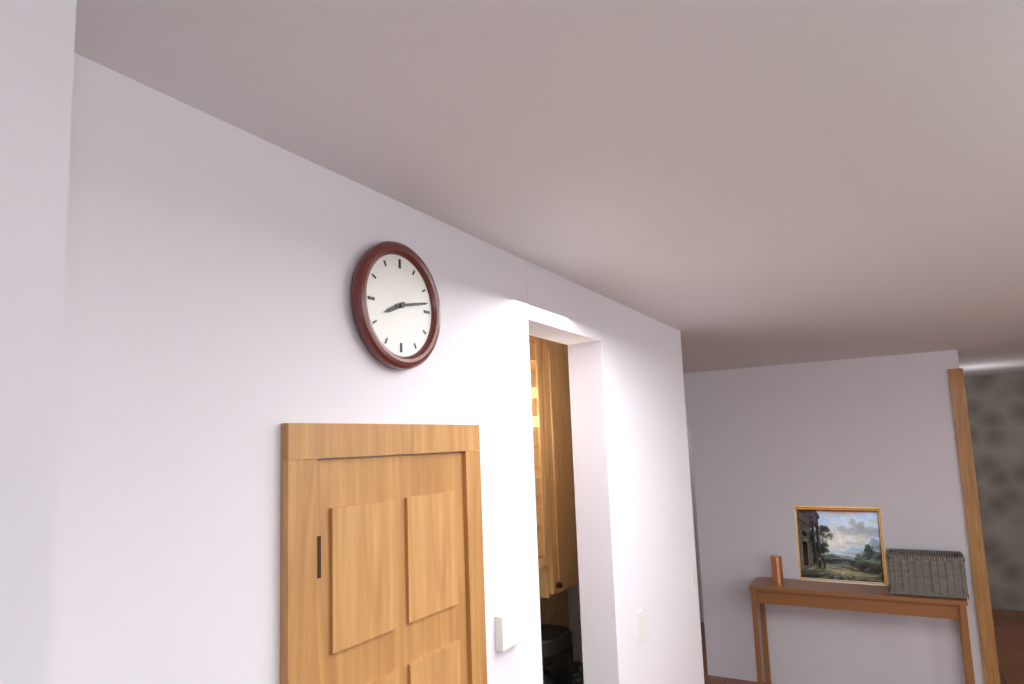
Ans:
8h13
